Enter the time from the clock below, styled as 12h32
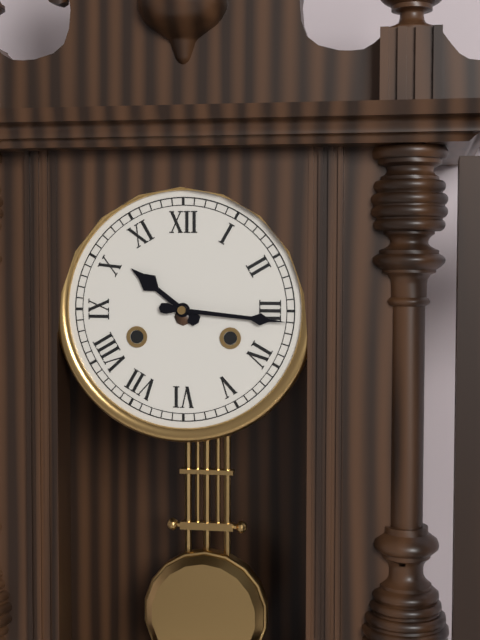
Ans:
10h16
